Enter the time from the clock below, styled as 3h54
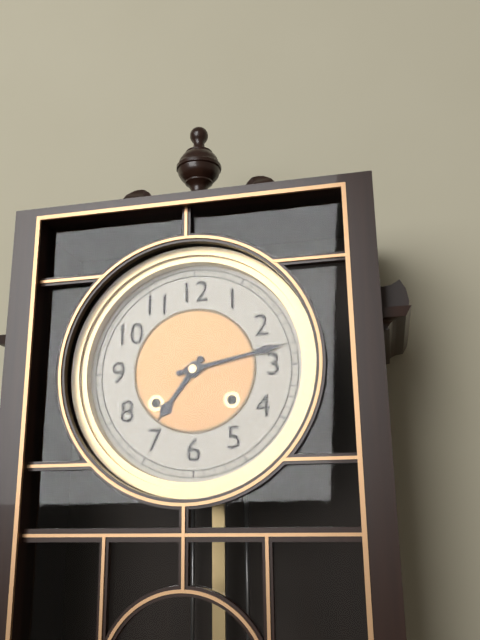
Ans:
7h13
